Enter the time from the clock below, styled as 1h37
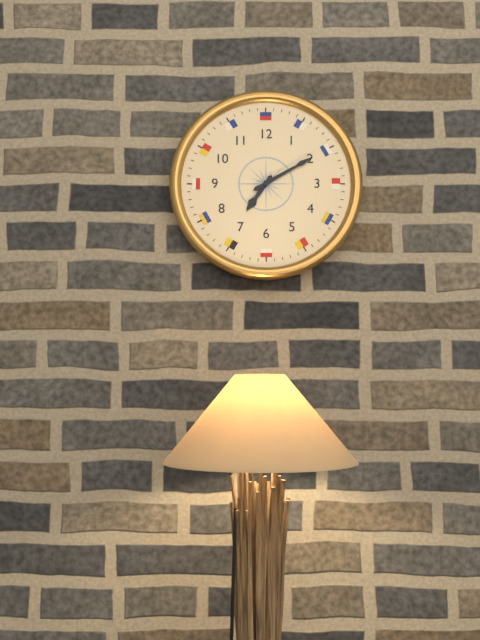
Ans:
7h10
